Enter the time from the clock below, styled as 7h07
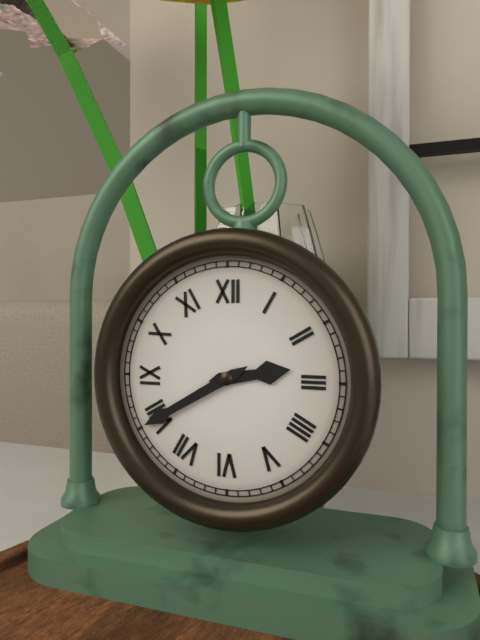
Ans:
2h40
